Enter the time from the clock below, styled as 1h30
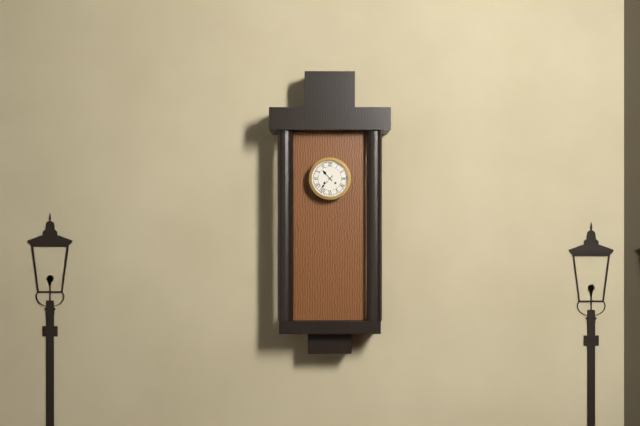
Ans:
10h37
